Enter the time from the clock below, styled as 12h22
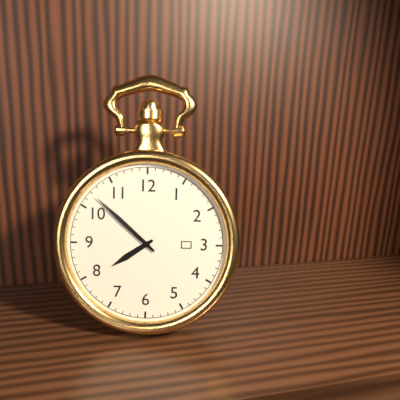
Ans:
7h52
